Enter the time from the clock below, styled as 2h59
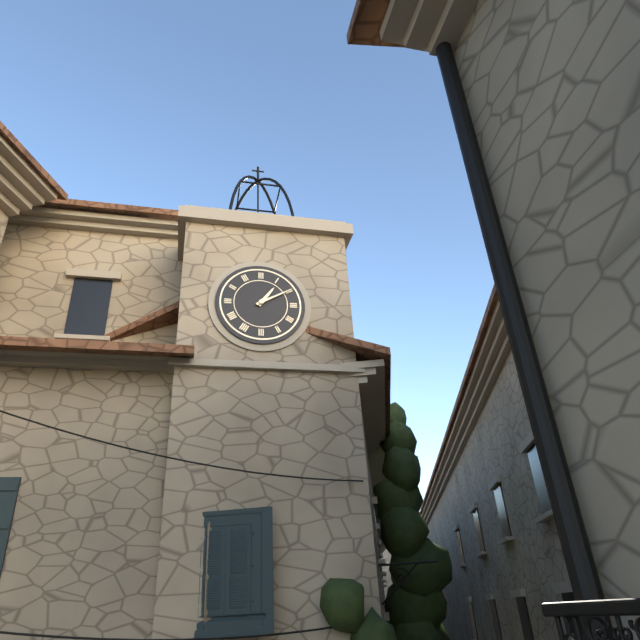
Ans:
1h10
